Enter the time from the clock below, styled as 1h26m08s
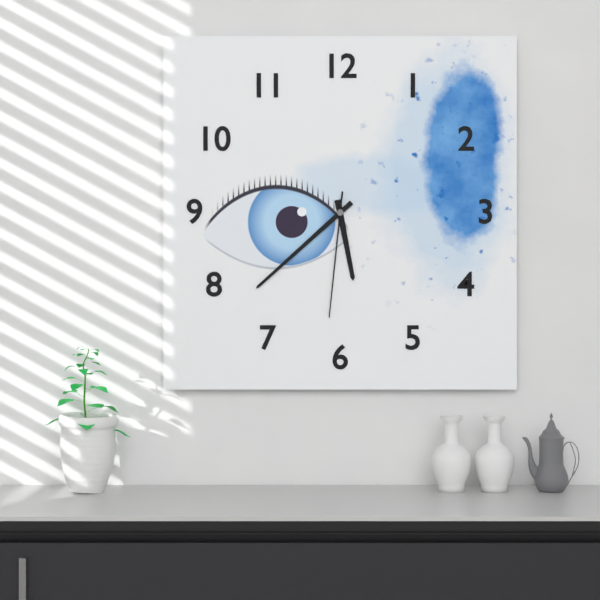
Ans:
5h38m31s
